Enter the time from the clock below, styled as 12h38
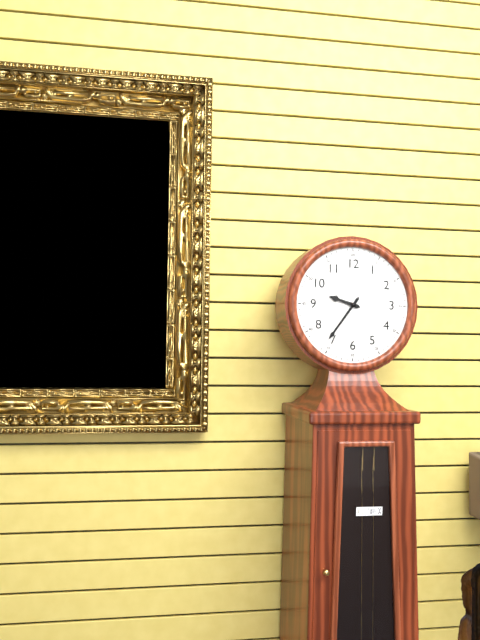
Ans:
9h36
